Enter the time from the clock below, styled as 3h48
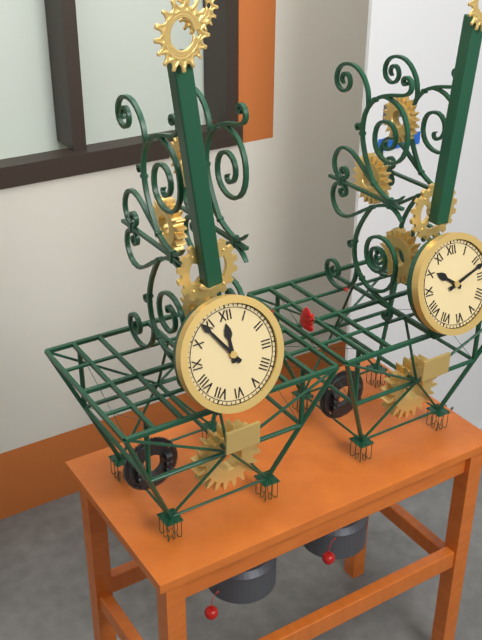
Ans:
11h54
